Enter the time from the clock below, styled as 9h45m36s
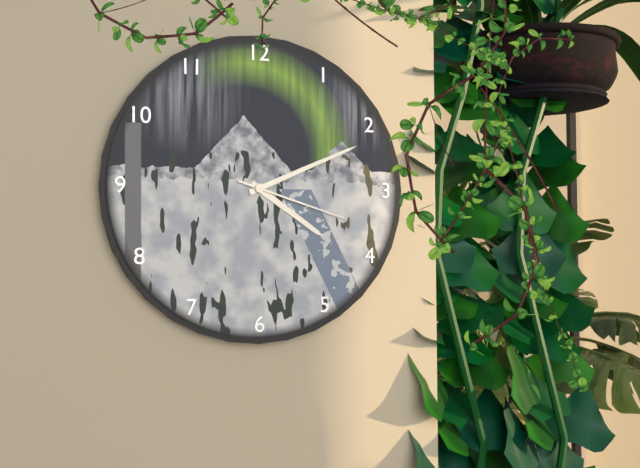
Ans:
4h11m18s
